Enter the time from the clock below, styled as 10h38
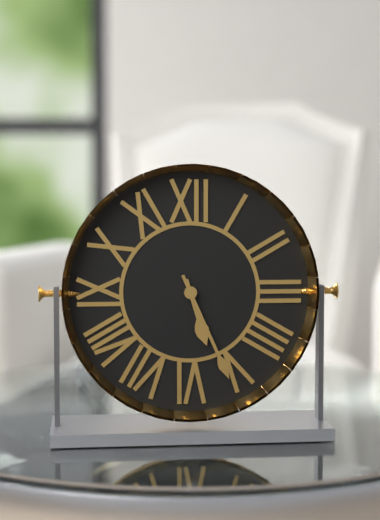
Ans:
5h26
